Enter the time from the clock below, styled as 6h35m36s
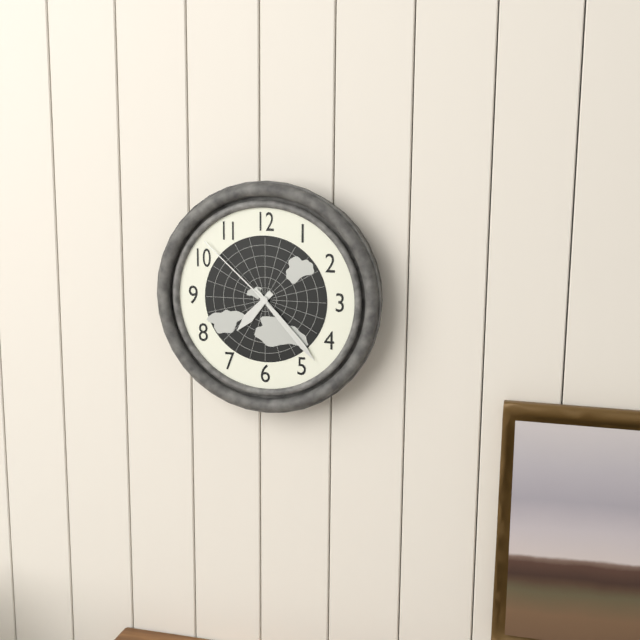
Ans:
7h23m52s
